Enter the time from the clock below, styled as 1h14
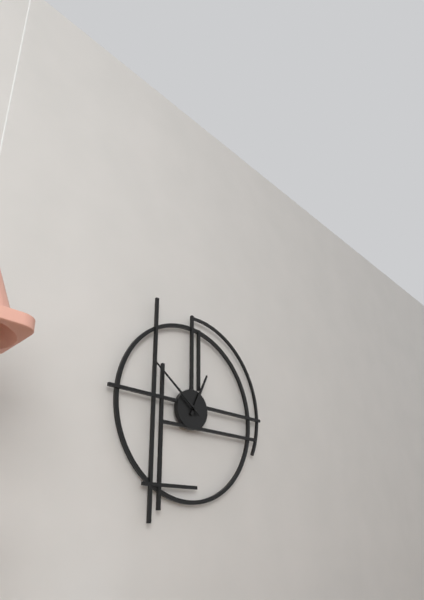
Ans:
12h51
